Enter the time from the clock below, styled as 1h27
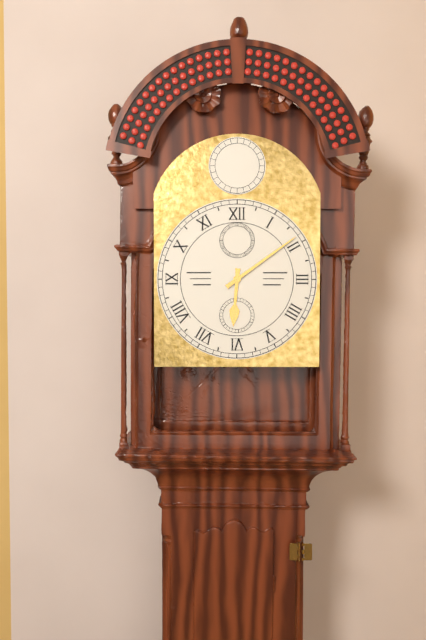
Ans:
6h09
